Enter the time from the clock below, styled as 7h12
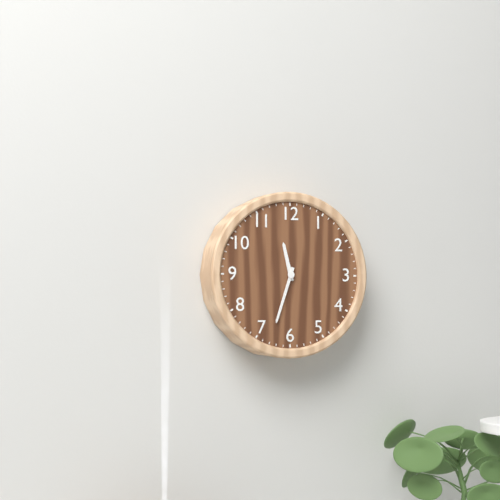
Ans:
11h33
